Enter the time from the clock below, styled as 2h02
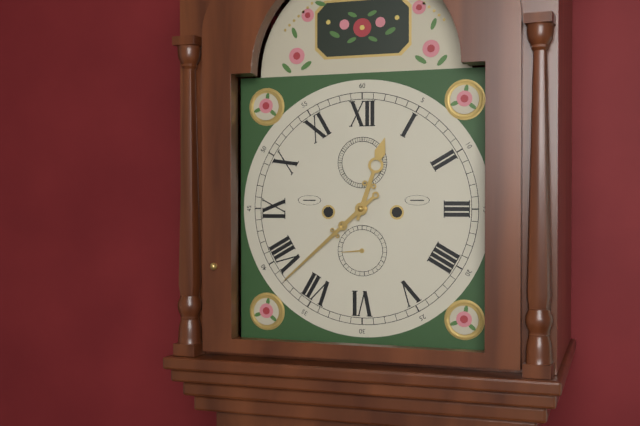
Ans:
12h38
